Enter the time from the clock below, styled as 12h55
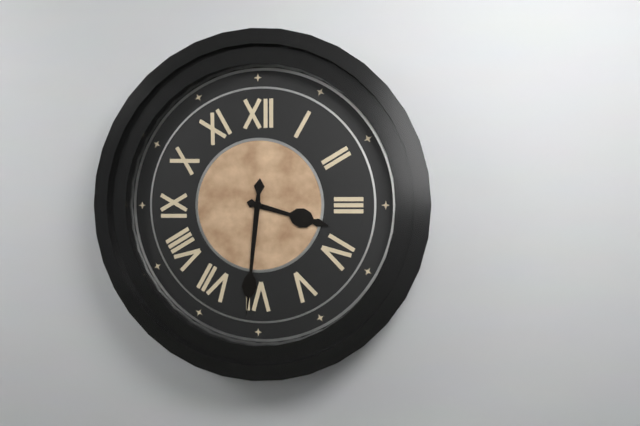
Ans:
3h31
